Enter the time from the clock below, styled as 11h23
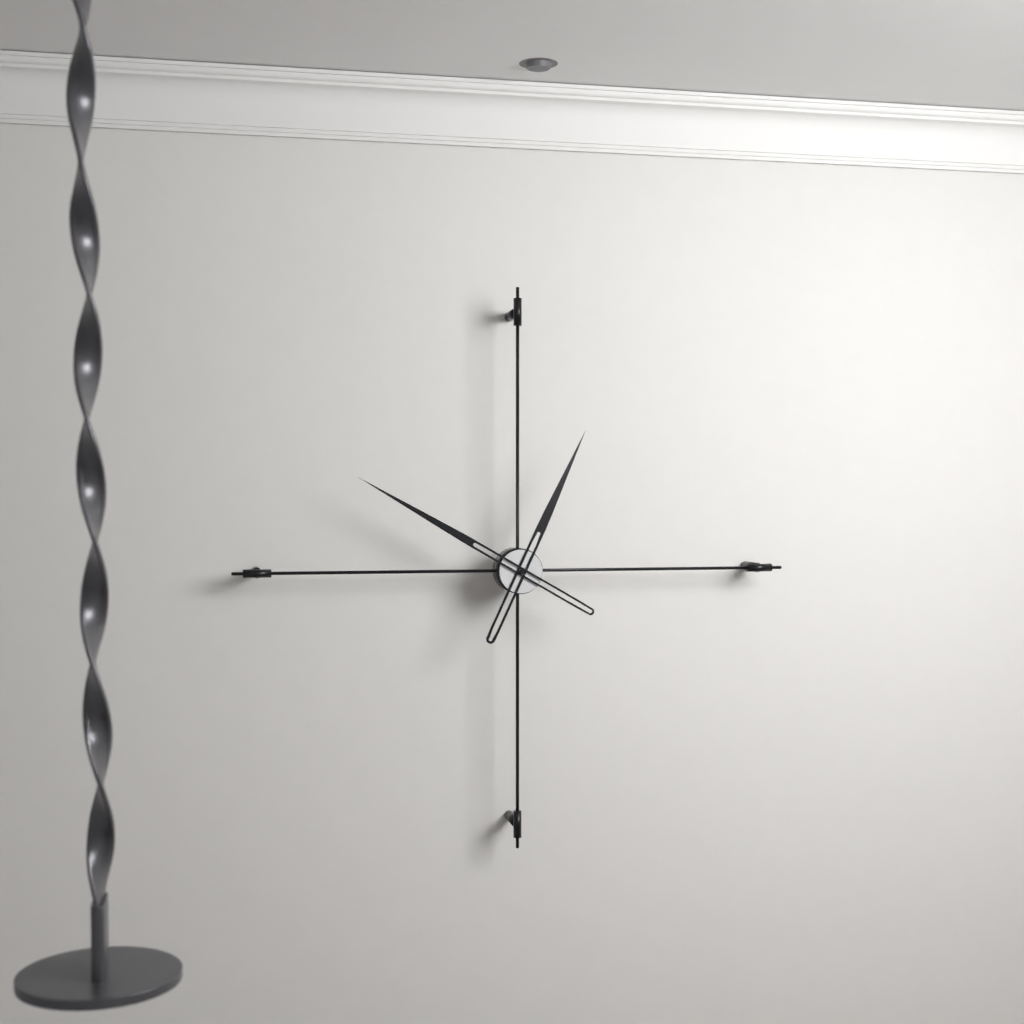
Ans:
12h50
